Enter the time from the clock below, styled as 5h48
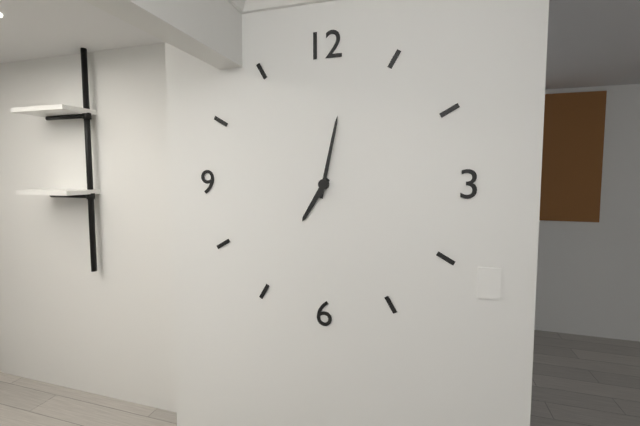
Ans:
7h02
